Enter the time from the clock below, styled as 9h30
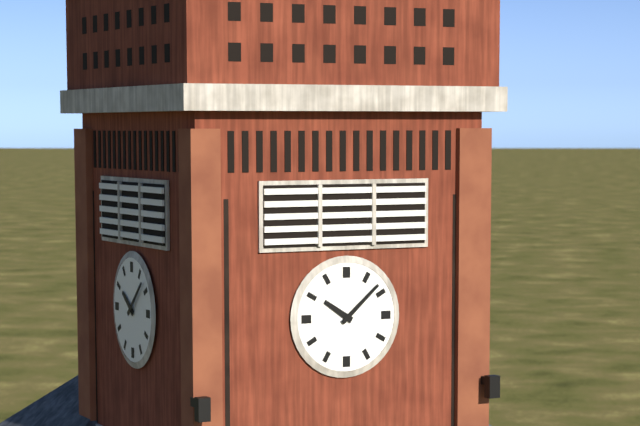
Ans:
10h08
